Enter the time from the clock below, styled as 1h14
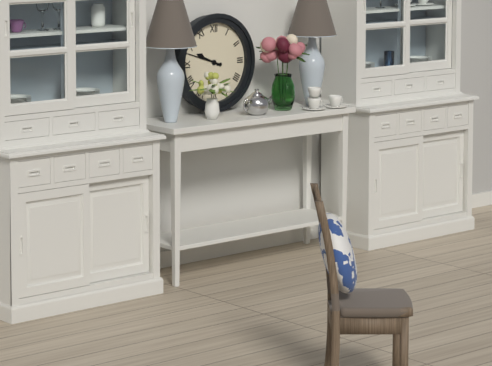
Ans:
9h48
